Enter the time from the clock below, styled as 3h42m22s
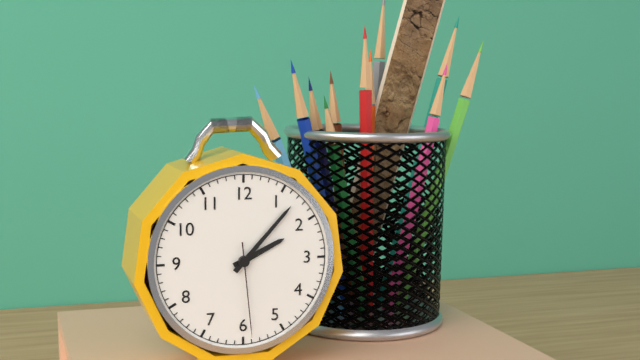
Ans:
2h07m29s
